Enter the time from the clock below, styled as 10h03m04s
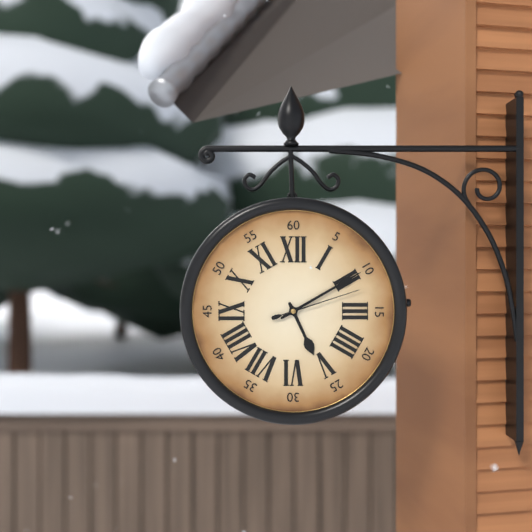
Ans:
5h10m12s
